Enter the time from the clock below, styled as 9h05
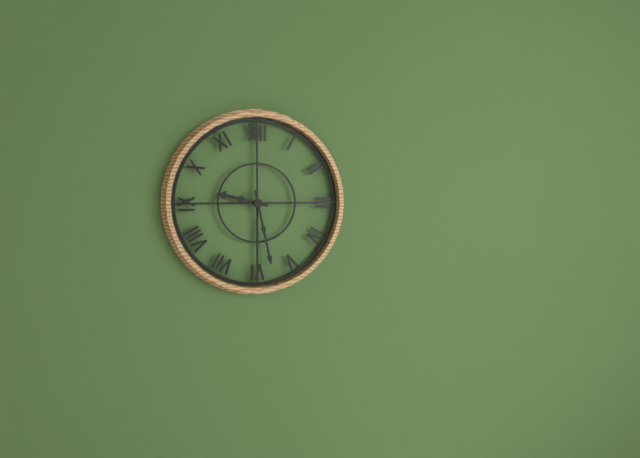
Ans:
9h28
